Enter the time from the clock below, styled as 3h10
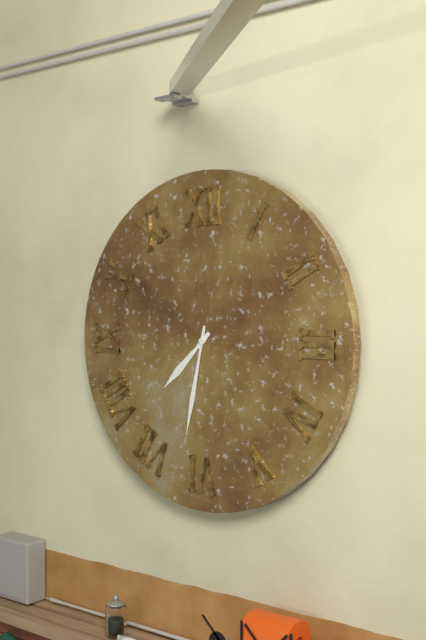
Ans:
7h32
